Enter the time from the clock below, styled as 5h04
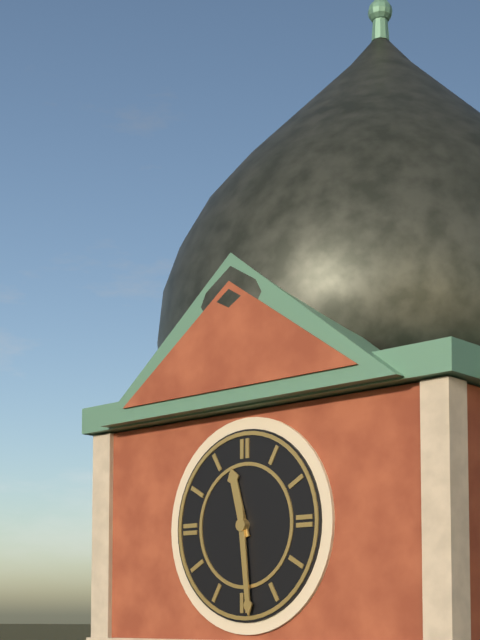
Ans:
11h29
